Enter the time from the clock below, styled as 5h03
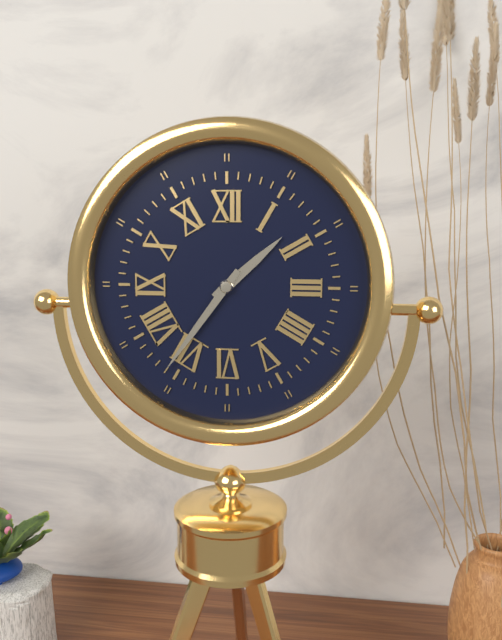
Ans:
1h36
